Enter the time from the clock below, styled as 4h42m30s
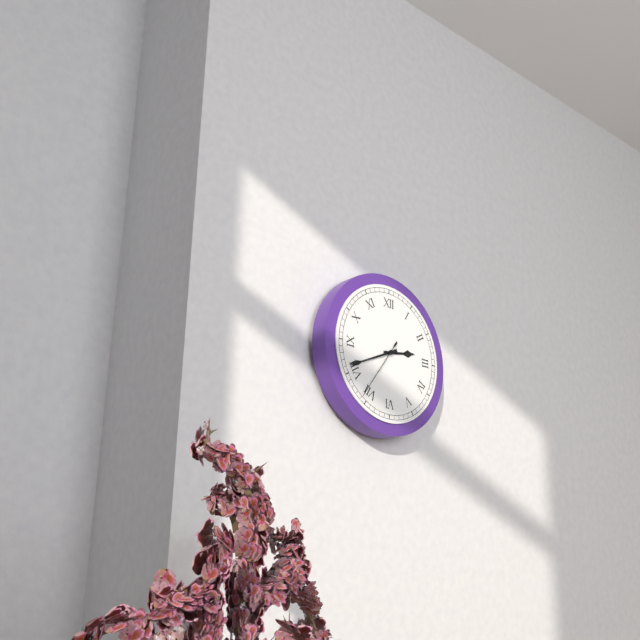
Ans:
2h41m36s
